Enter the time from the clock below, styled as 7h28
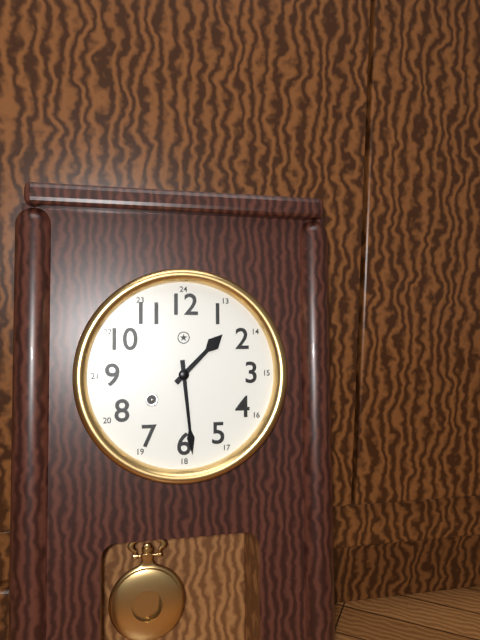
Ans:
1h29
